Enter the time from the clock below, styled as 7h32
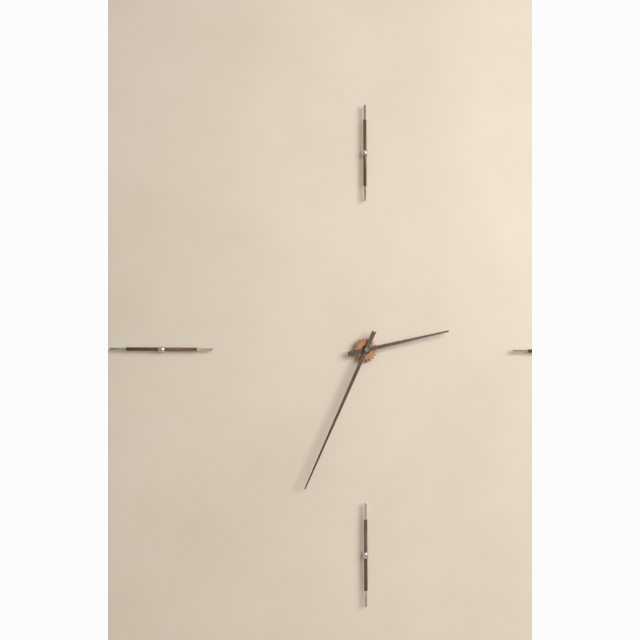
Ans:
2h34
